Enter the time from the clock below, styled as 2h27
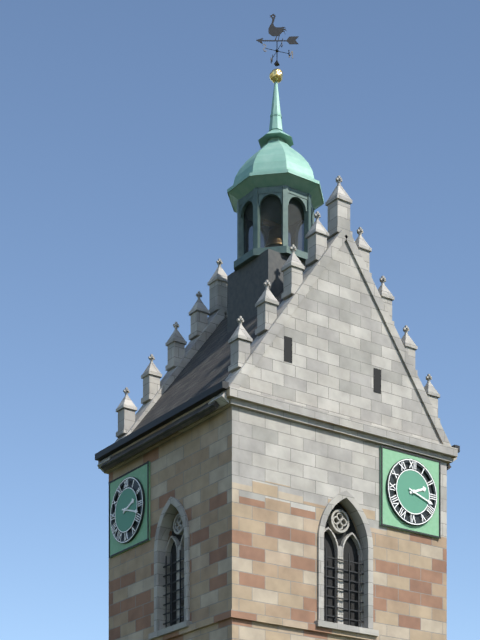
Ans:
2h18
